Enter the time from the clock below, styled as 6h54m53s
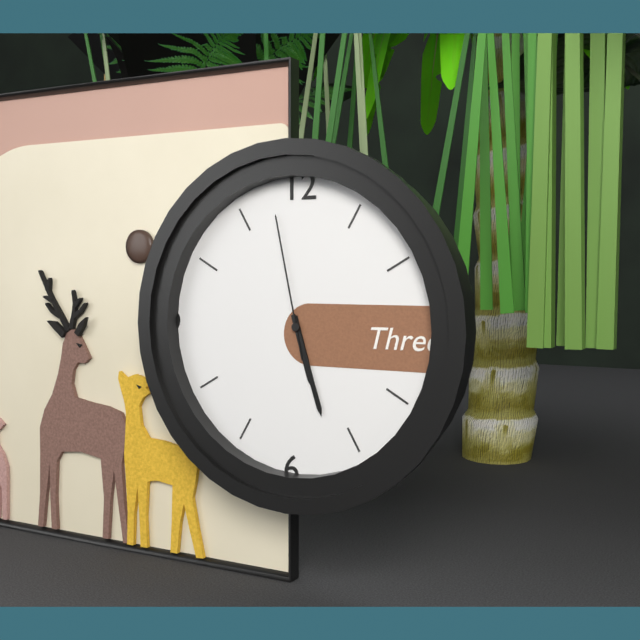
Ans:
5h27m58s
